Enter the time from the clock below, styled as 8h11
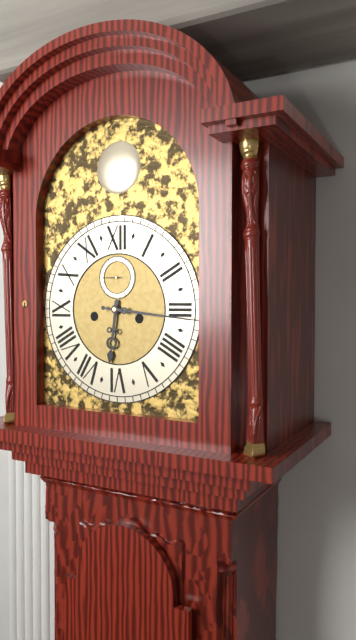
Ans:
6h16
